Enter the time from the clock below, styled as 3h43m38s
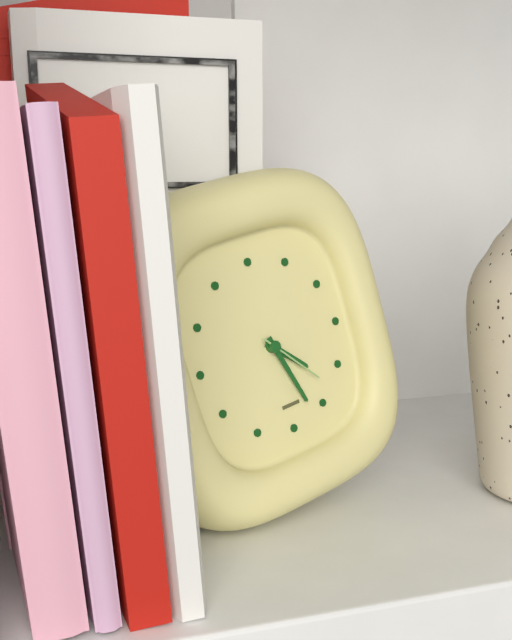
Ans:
4h27m23s
